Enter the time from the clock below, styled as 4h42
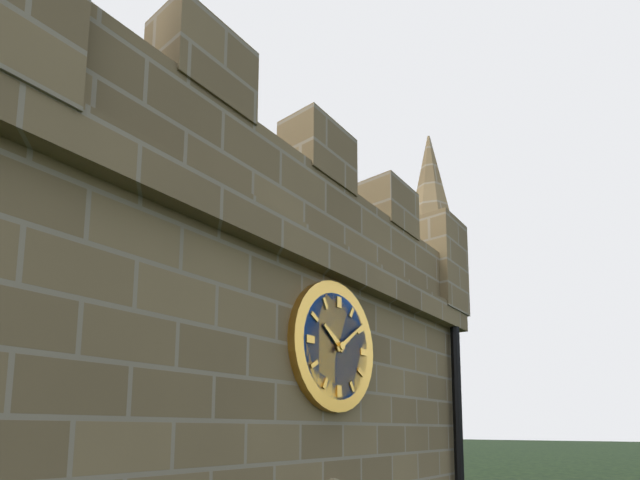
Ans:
10h09
